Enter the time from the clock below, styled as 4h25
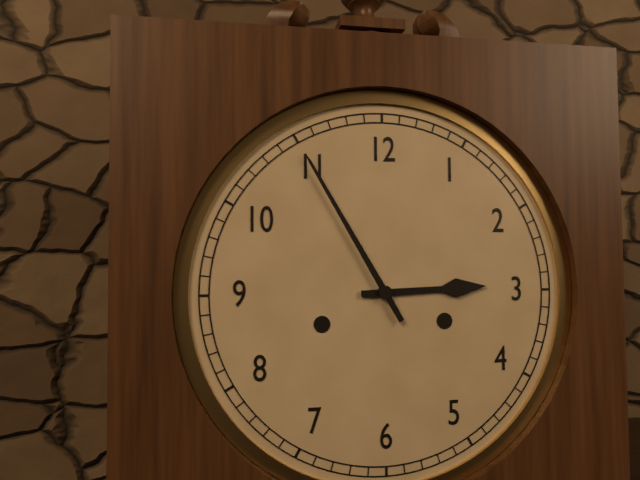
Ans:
2h55
